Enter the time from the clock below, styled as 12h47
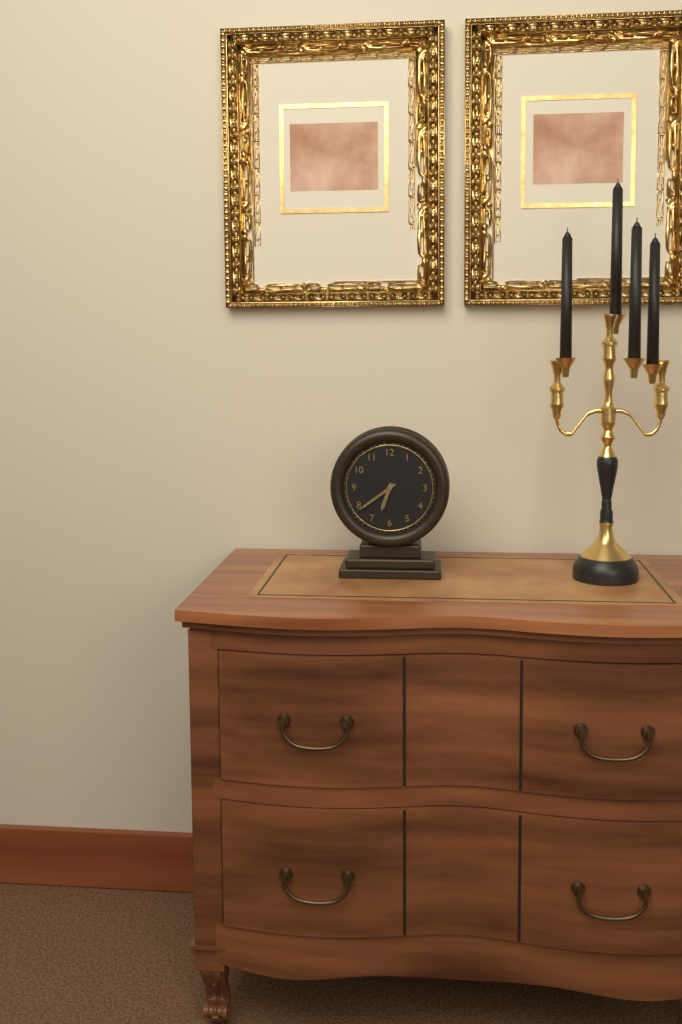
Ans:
6h39
